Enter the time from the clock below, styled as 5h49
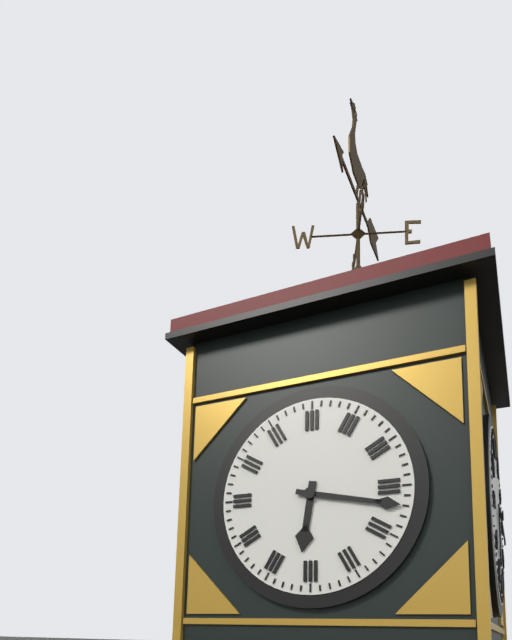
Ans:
6h17
